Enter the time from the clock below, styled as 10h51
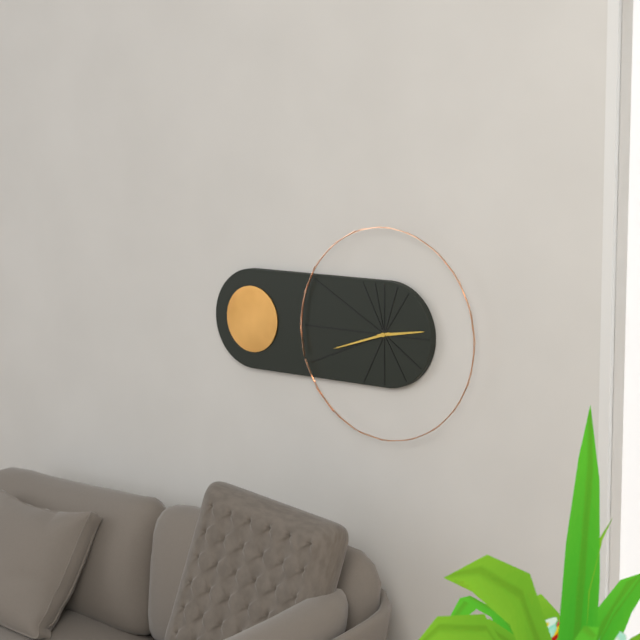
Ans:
2h42
